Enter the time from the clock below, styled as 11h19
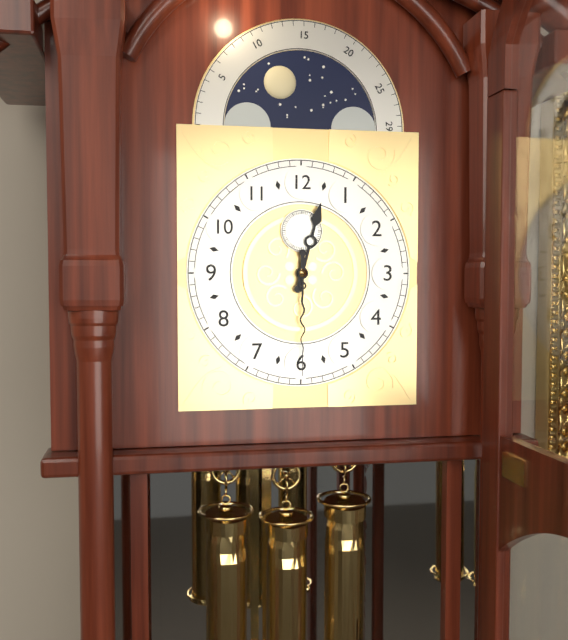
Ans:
12h30
